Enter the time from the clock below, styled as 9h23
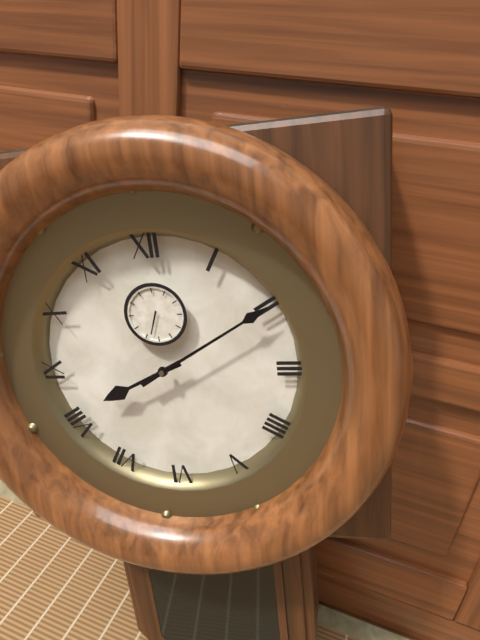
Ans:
8h10
